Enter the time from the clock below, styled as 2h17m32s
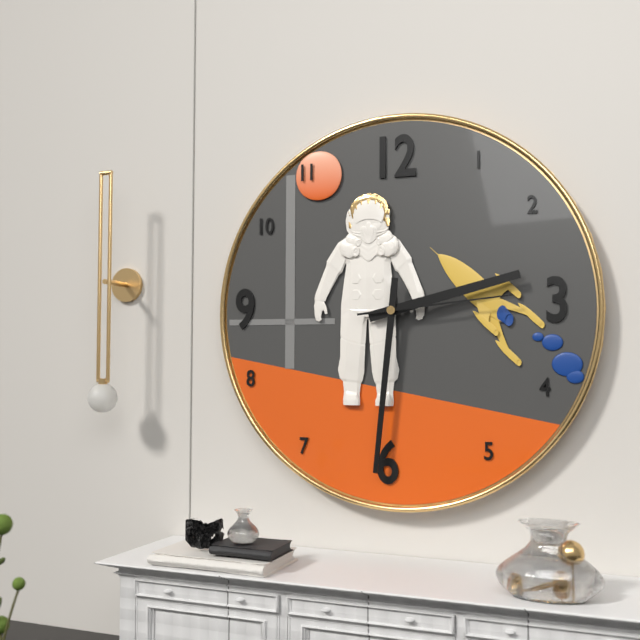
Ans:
2h31m14s
